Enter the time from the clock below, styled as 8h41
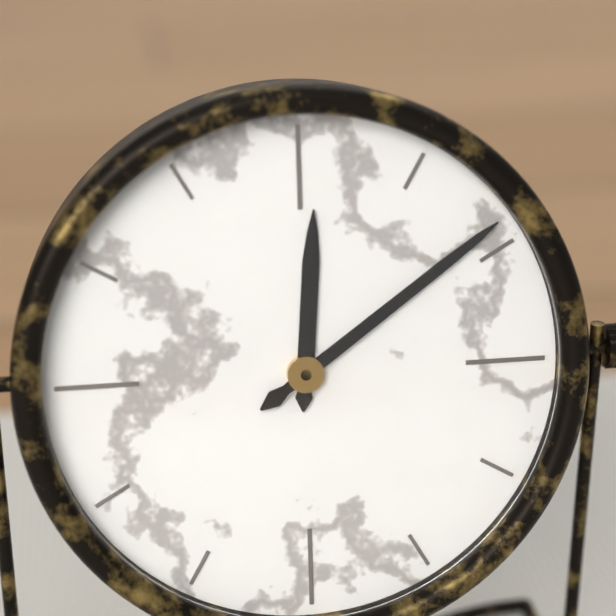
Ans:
12h09
